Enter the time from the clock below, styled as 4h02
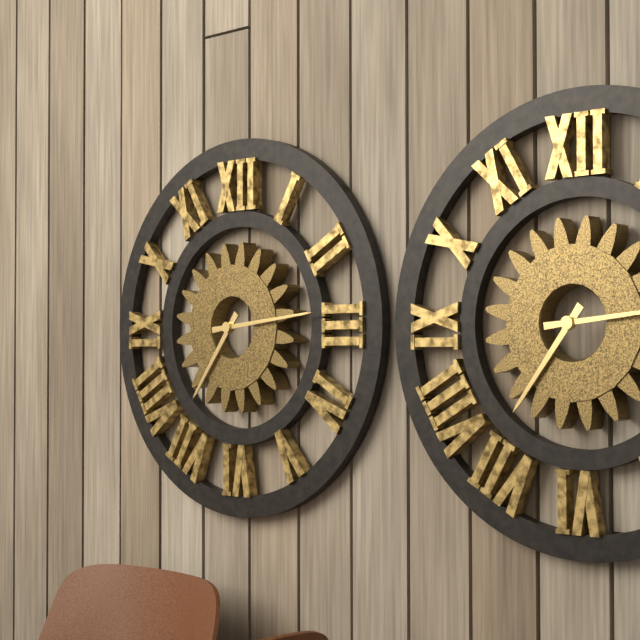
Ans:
7h14
